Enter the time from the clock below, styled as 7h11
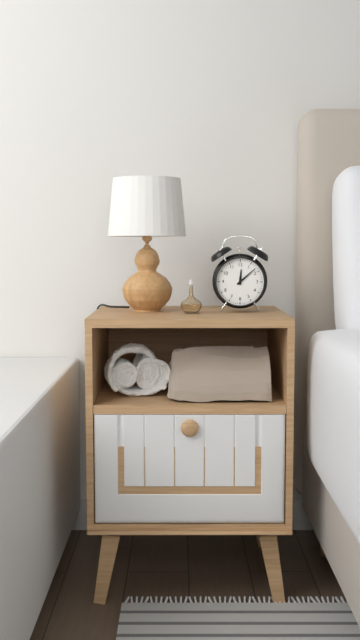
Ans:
12h08
